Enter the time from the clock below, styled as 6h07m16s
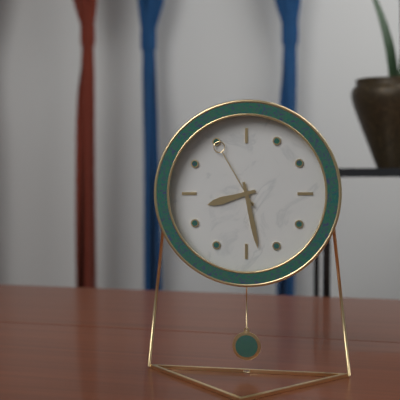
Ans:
8h28m55s
